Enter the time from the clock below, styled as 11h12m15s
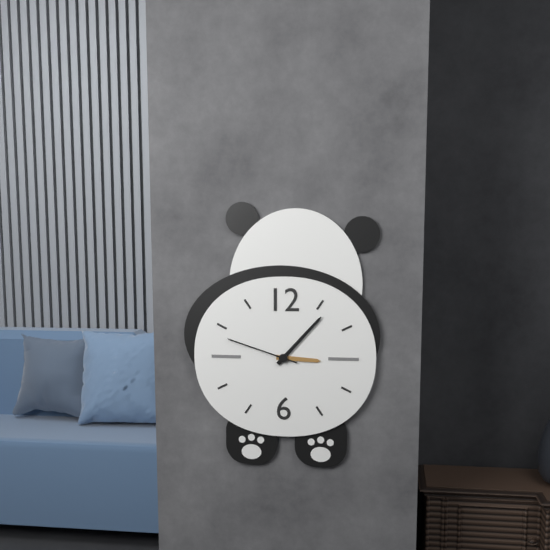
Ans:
3h07m48s
